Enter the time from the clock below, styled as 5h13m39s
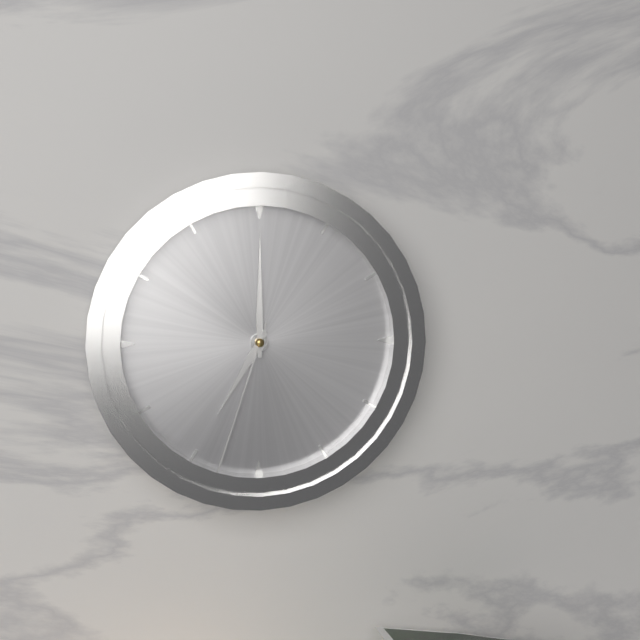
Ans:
7h00m33s
